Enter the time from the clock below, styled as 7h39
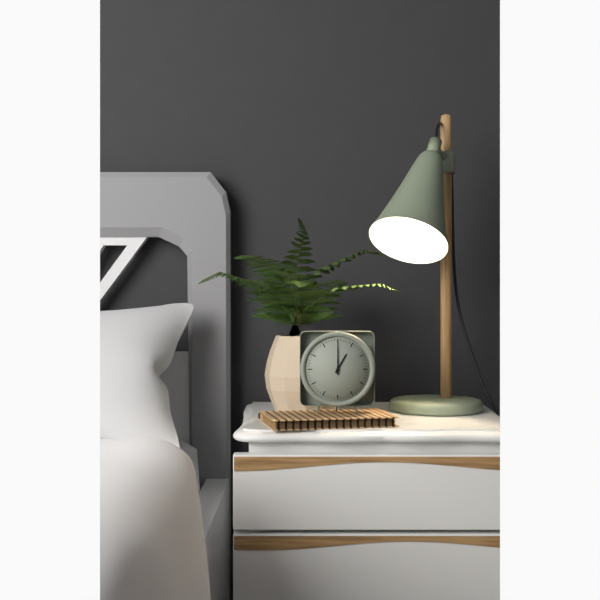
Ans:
1h00
